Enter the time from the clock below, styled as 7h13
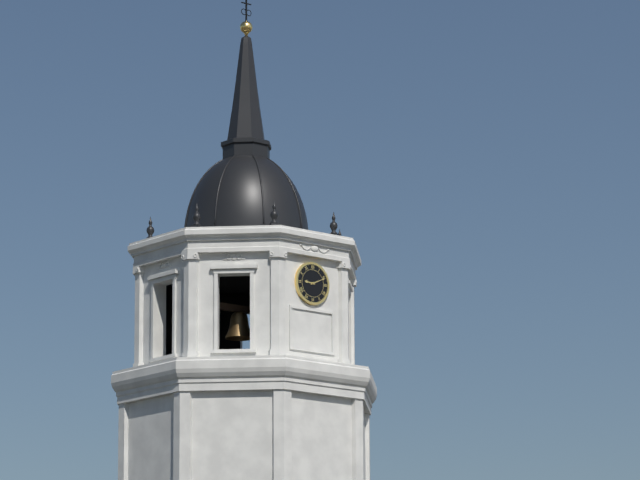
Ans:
9h11
